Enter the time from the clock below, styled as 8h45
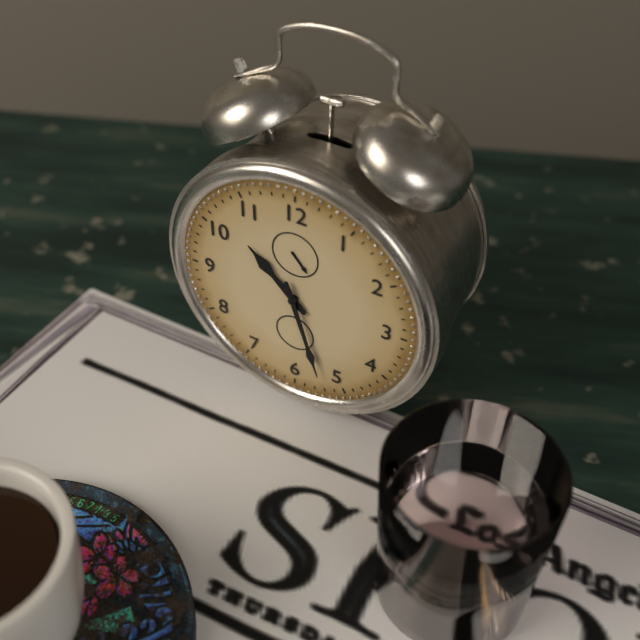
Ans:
10h27
